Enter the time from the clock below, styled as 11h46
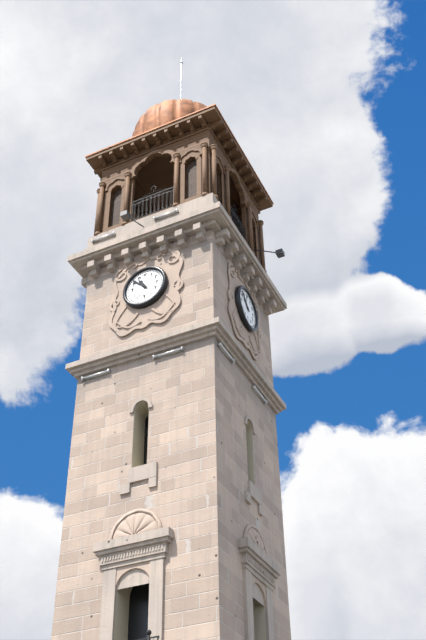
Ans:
10h52
